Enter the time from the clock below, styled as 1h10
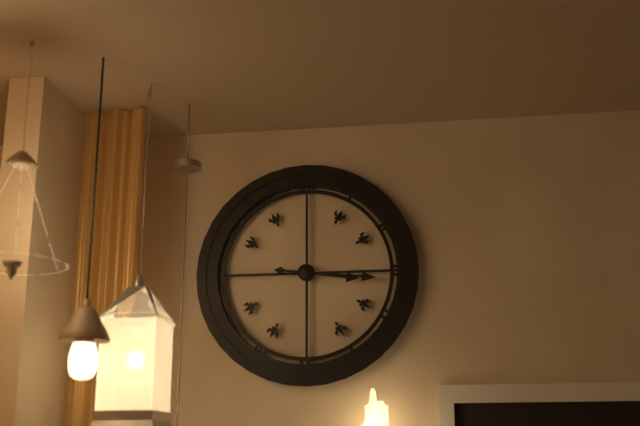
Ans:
3h16
